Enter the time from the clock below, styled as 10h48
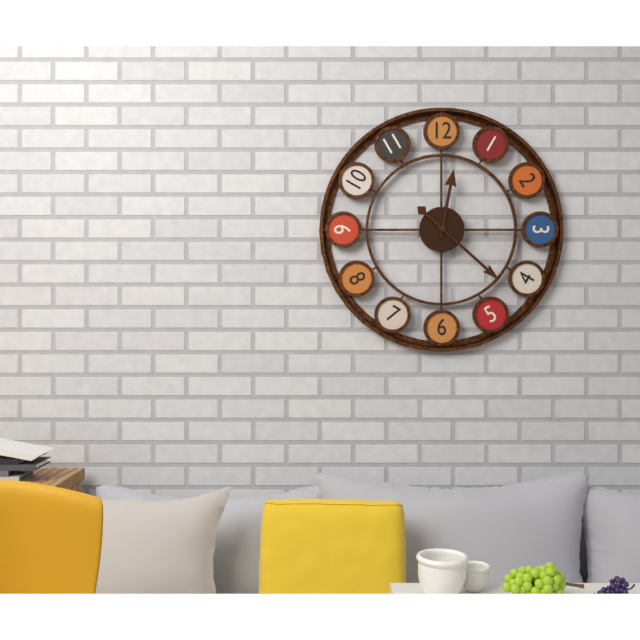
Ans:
12h22
